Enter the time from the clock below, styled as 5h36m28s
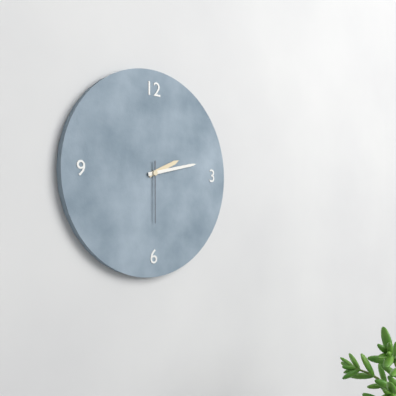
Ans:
2h13m30s
